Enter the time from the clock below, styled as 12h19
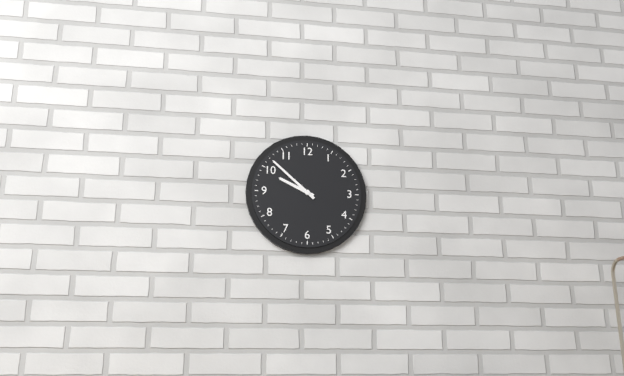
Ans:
9h52
